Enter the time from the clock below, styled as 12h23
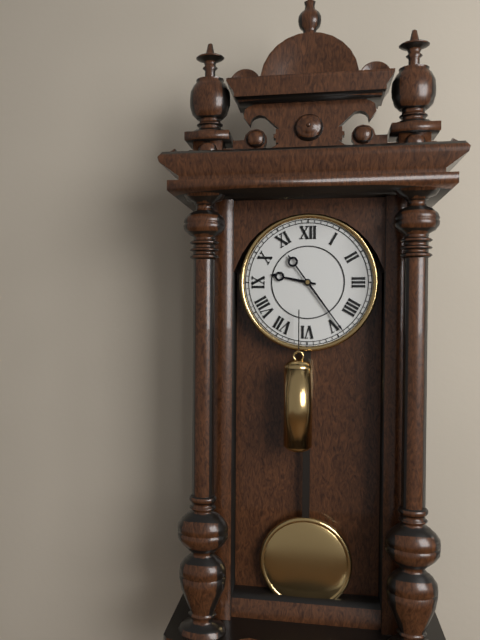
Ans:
9h24
